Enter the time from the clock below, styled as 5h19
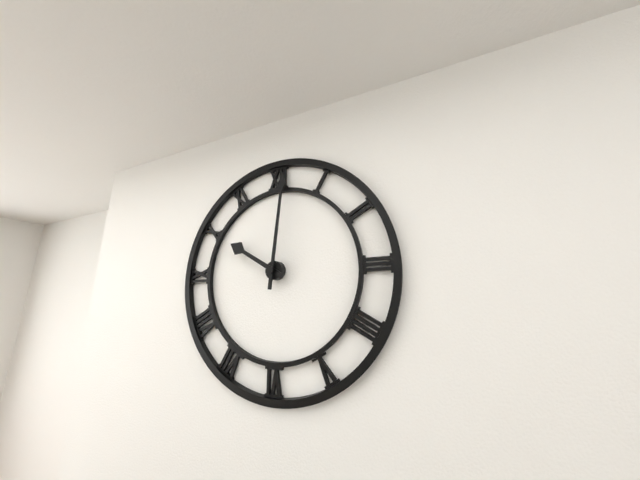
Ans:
10h01
